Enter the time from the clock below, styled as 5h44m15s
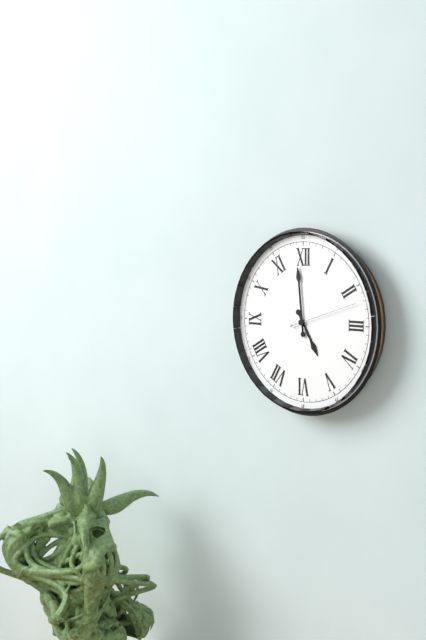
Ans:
4h59m12s
